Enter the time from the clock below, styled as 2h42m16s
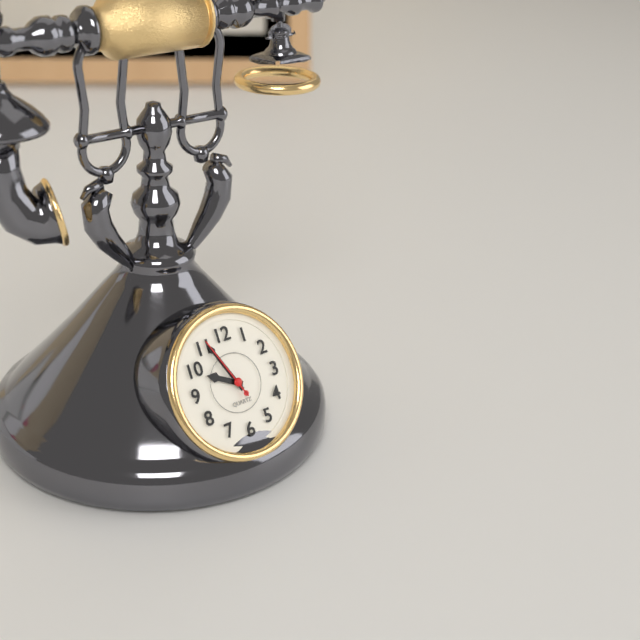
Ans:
9h56m56s
